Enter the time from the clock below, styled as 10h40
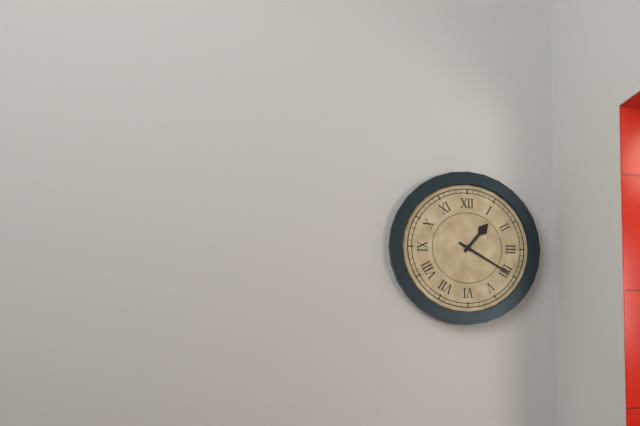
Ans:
1h20
